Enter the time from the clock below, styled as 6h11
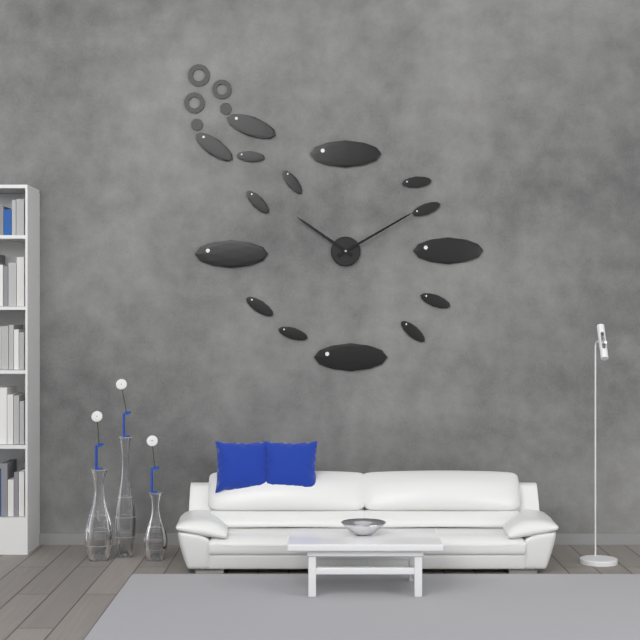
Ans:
10h10
